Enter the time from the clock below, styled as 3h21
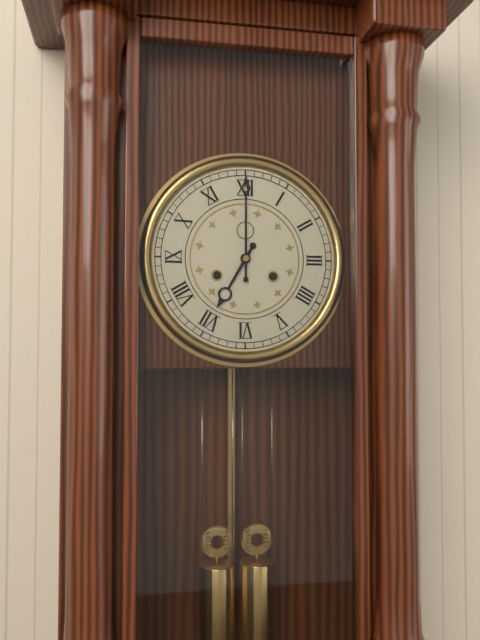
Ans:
7h00
